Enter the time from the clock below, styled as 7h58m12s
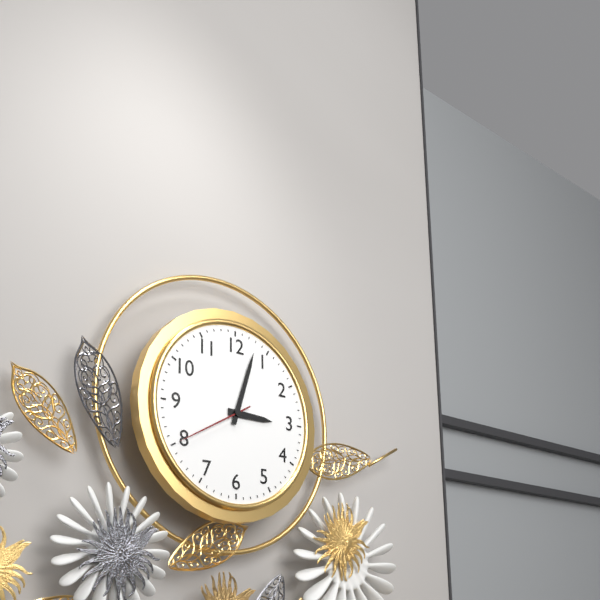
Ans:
3h03m40s
